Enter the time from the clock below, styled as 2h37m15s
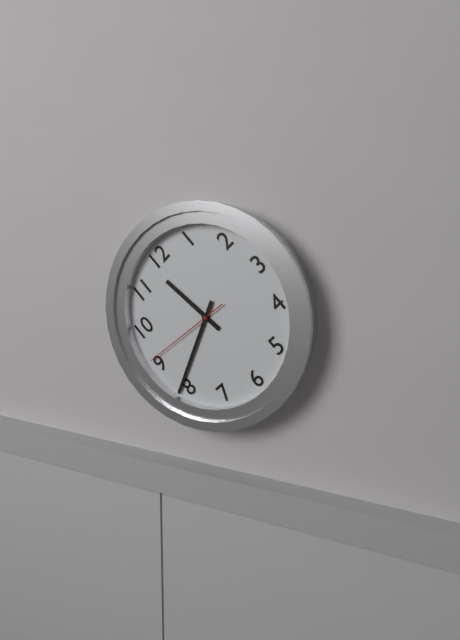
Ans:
11h41m46s
